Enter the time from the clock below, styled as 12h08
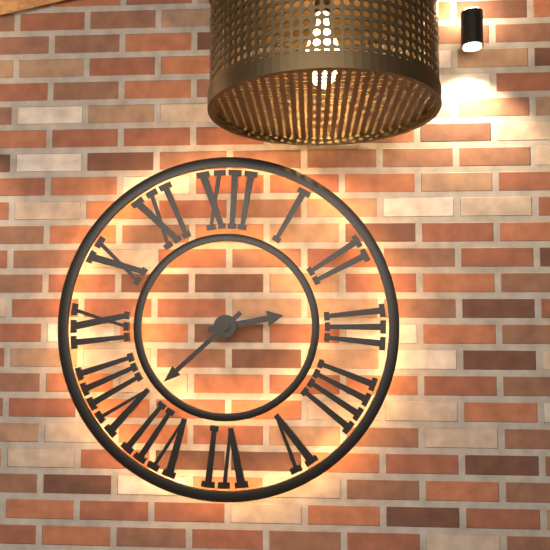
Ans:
2h38
